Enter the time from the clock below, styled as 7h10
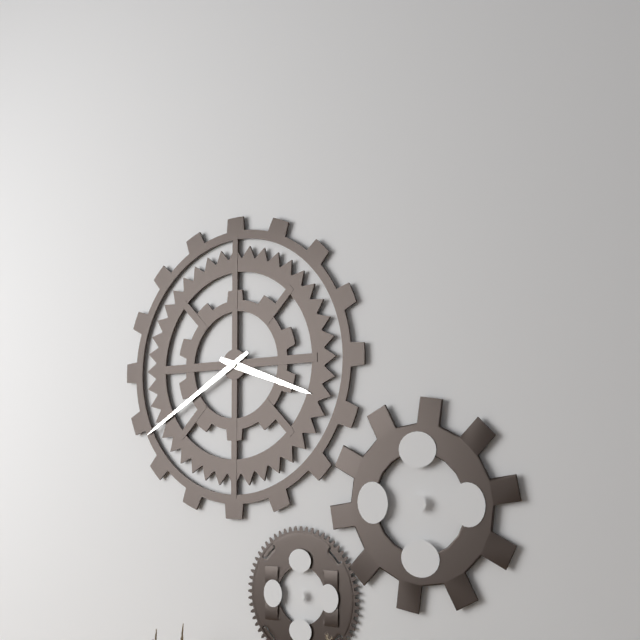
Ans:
3h40
